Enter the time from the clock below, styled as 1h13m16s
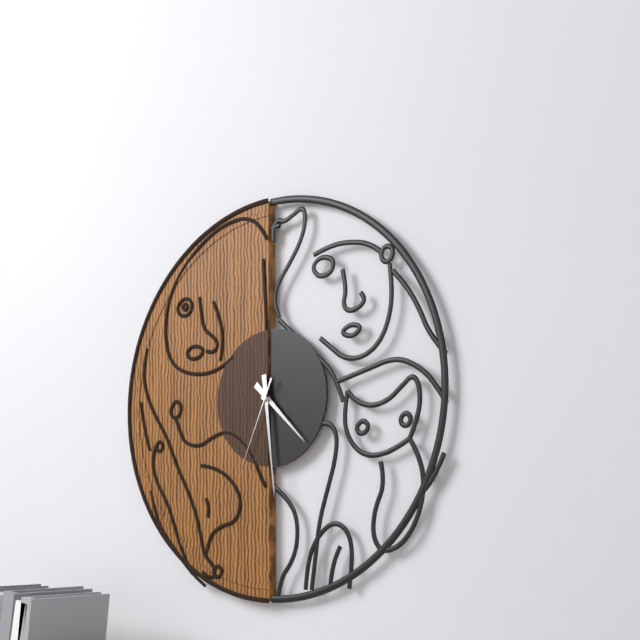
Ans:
4h29m34s
